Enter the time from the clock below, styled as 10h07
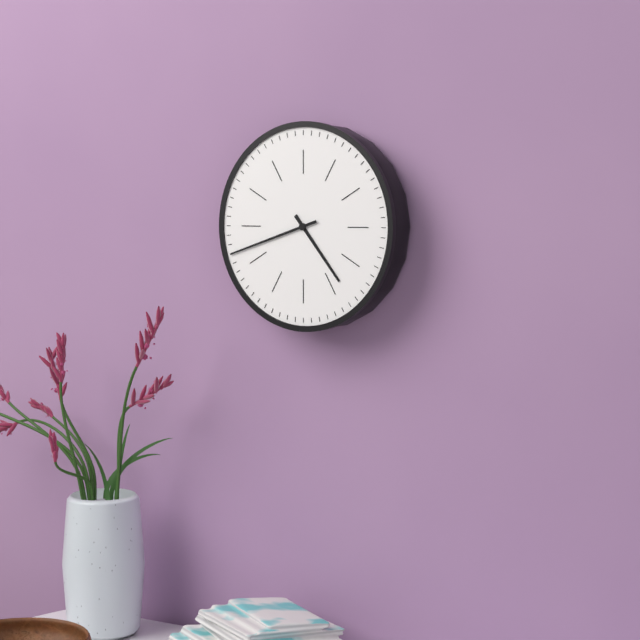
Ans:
4h42
